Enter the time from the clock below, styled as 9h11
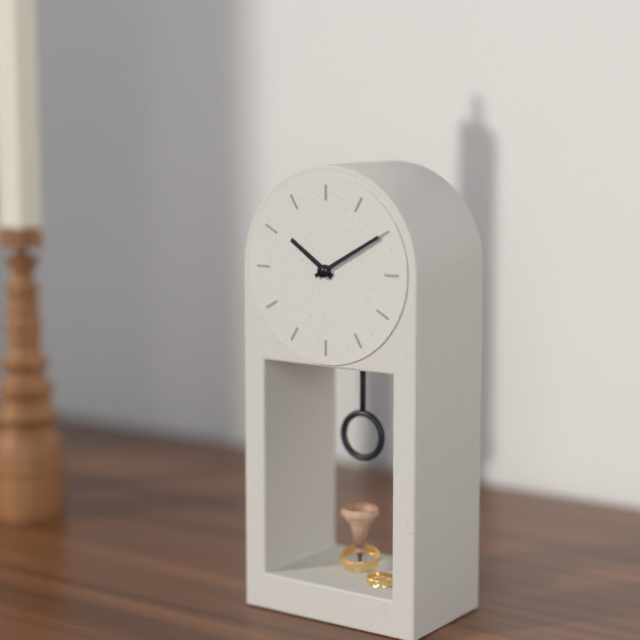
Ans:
10h10
